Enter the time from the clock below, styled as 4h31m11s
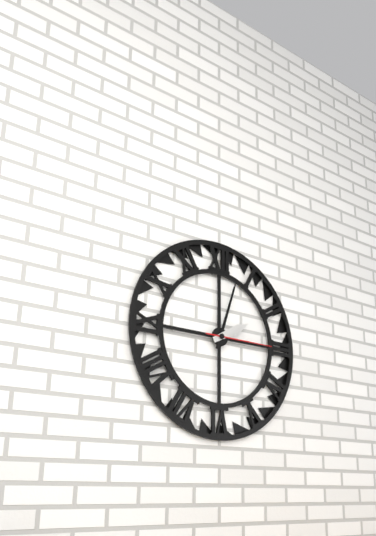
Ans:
2h03m15s
